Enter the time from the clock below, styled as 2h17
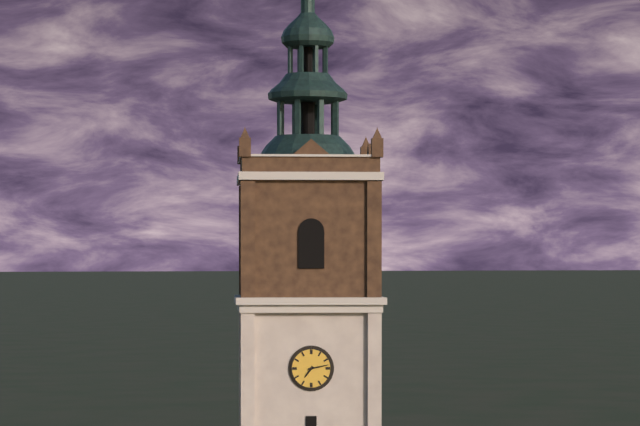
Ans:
7h13
